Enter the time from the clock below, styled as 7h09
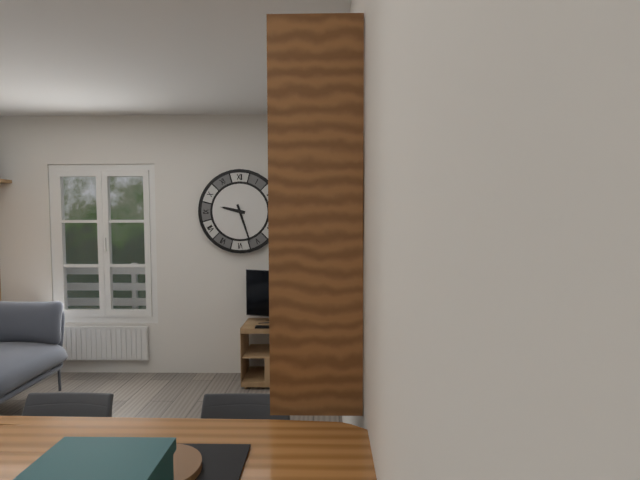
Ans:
9h27
